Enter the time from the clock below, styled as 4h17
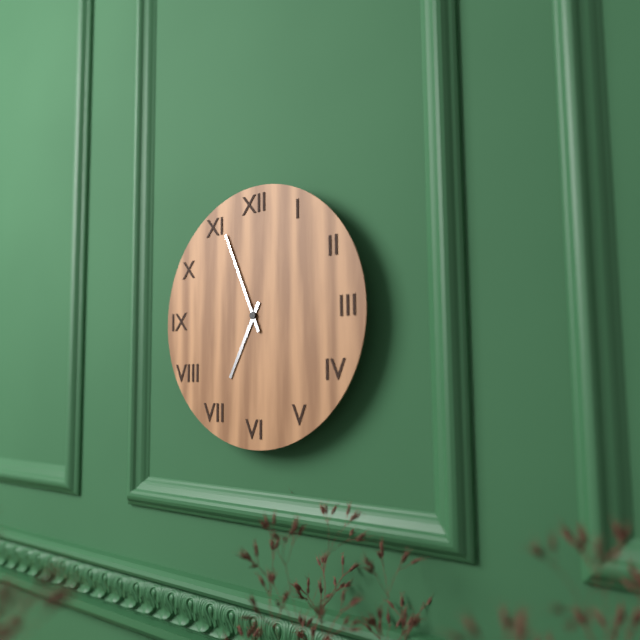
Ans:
6h56
